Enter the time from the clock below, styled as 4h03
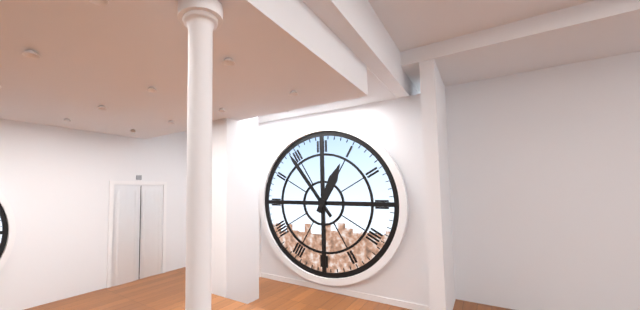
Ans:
12h54
